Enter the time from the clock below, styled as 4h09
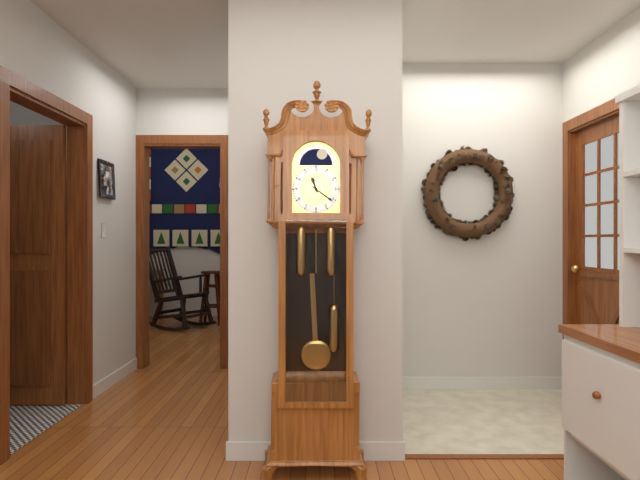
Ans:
11h21
